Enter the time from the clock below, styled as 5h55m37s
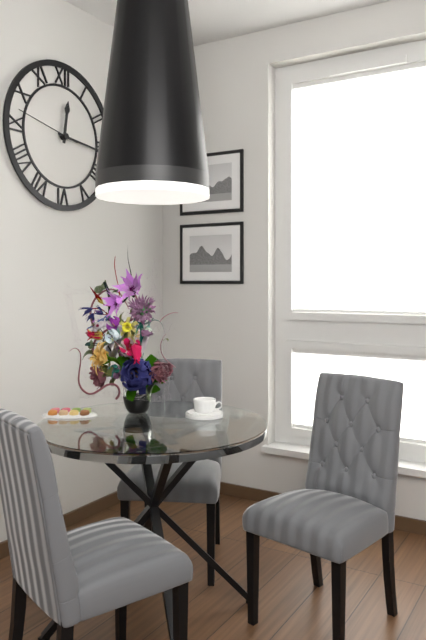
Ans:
12h16m47s
